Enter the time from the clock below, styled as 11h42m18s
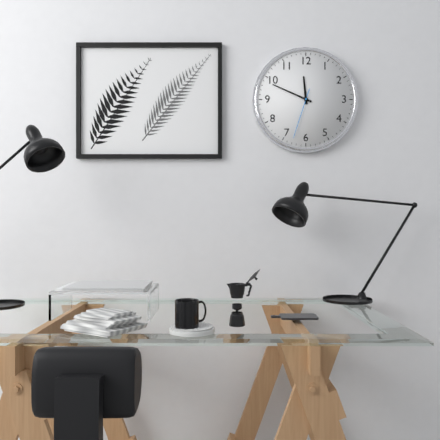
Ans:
11h49m33s
